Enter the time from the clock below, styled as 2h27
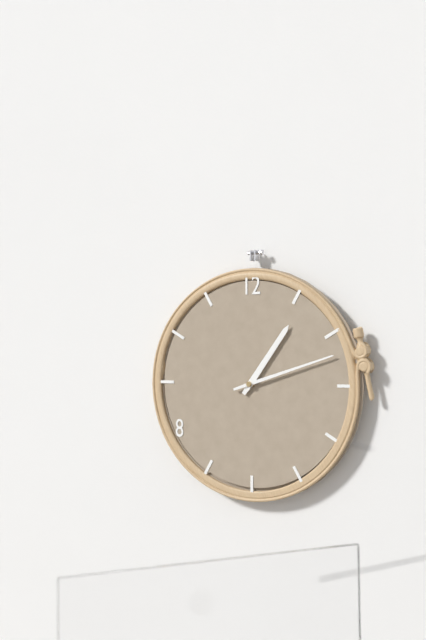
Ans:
1h12
